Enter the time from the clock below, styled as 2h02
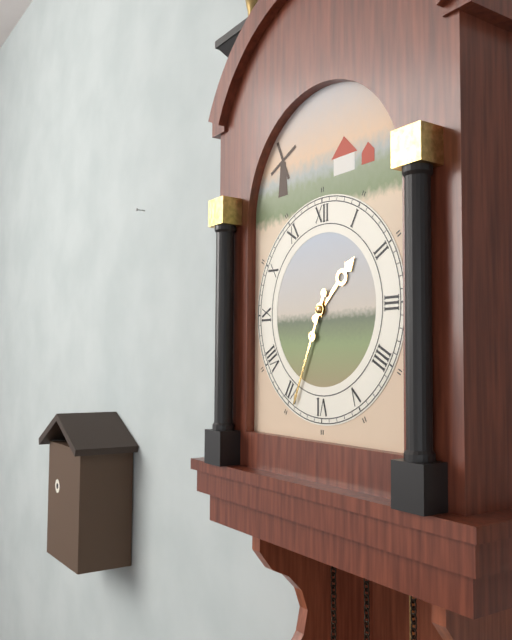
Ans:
1h34
